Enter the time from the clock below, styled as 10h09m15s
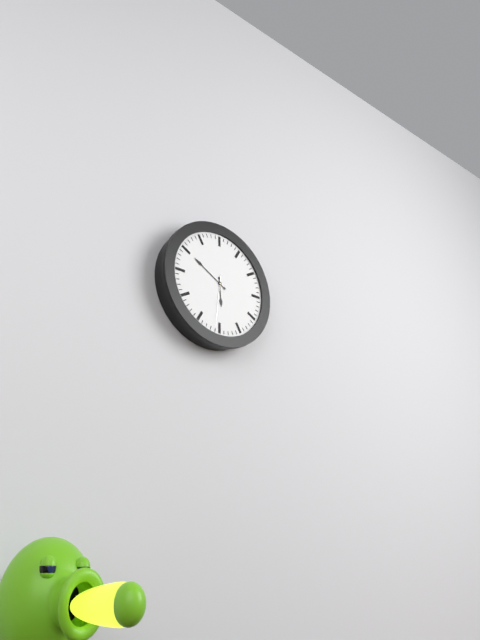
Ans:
5h50m31s
